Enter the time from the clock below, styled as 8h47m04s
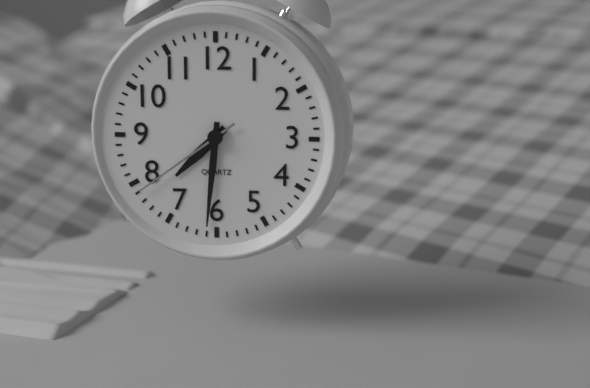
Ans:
7h31m39s
